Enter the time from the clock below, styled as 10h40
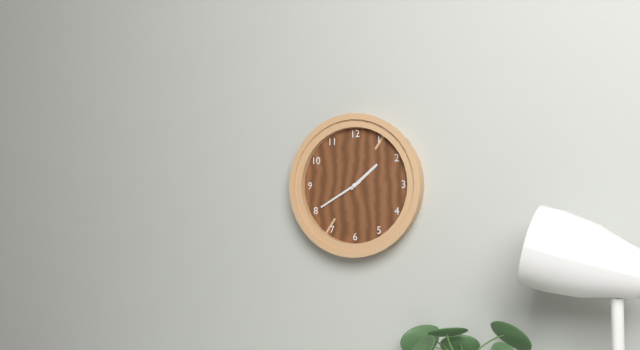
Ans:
1h40
